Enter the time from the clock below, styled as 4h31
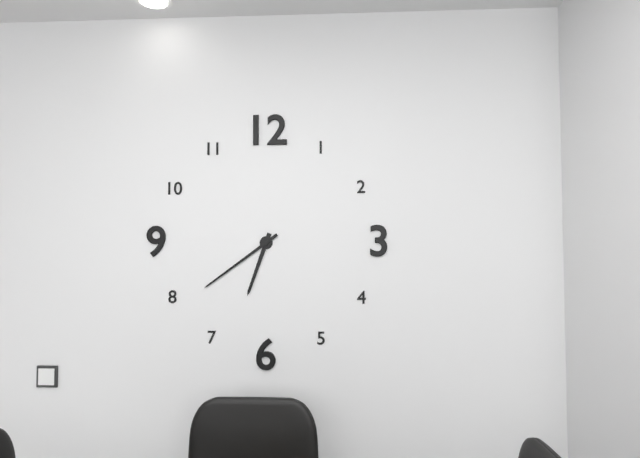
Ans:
6h39
